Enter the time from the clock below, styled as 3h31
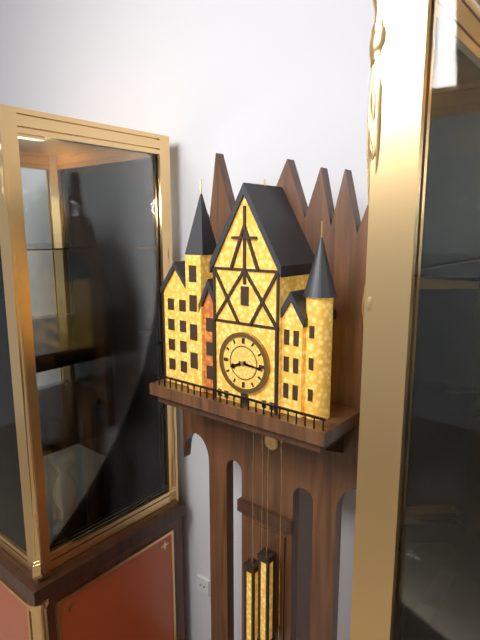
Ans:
8h16
